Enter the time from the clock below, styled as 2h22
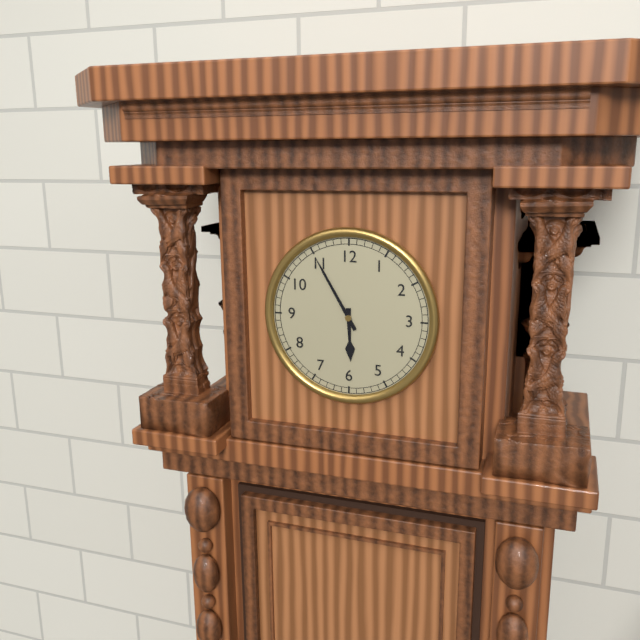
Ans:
5h55
